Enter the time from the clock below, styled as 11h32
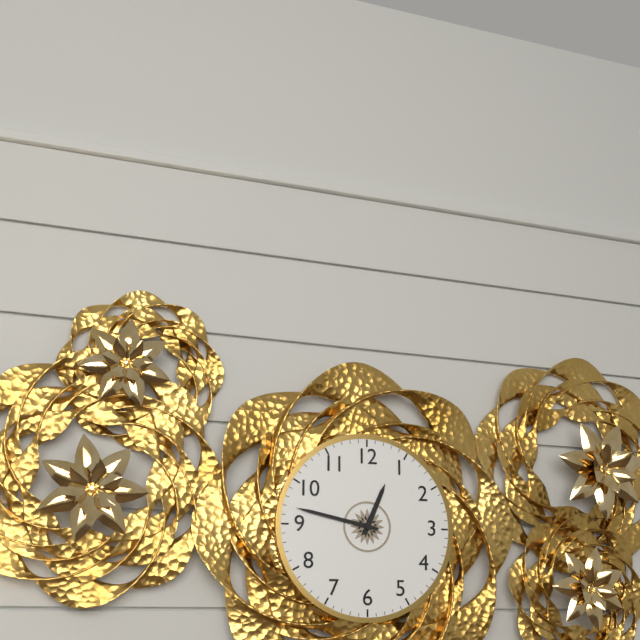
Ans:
12h47
